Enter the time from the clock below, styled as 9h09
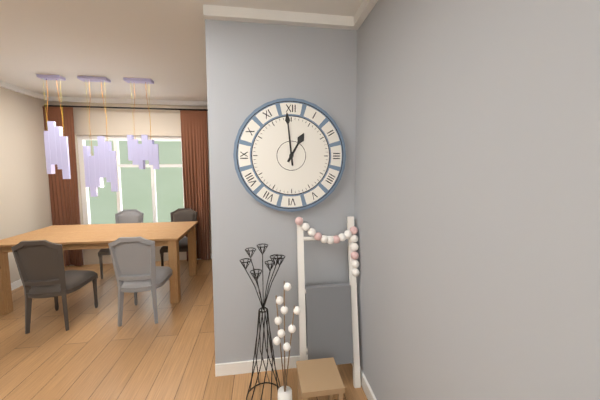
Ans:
12h59
